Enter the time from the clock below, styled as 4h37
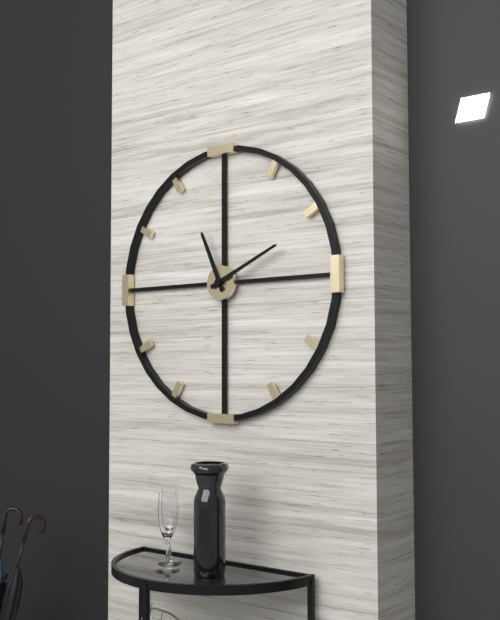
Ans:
11h11
